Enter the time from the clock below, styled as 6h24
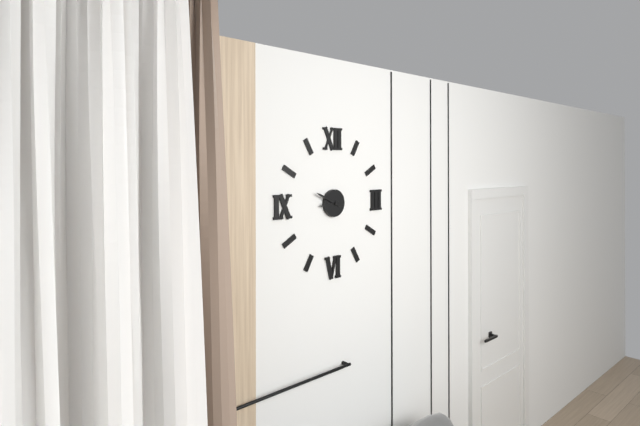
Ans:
8h49
